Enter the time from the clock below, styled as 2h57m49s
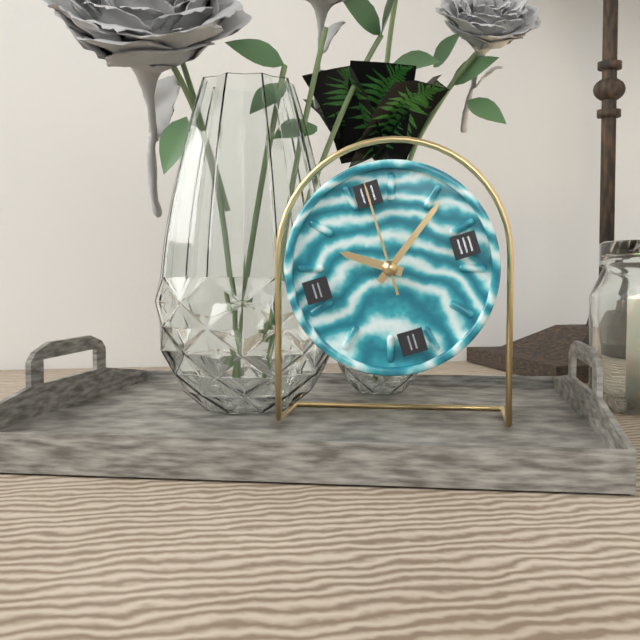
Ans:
10h09m00s
